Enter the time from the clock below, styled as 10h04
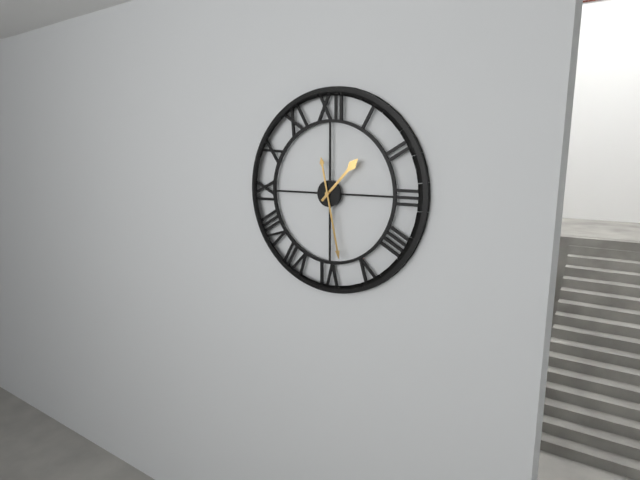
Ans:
1h28
